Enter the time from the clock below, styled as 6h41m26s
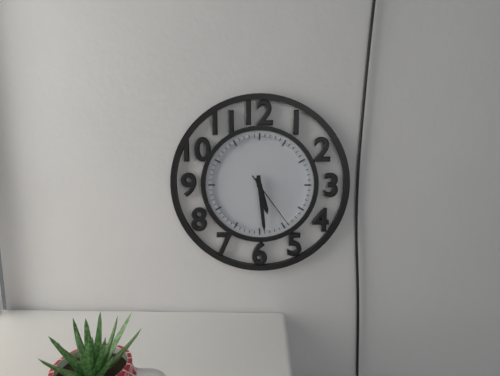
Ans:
5h29m24s
